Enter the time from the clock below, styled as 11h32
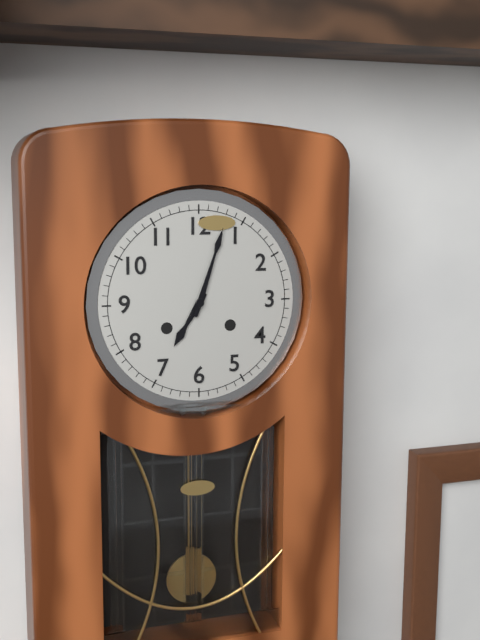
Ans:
7h03
